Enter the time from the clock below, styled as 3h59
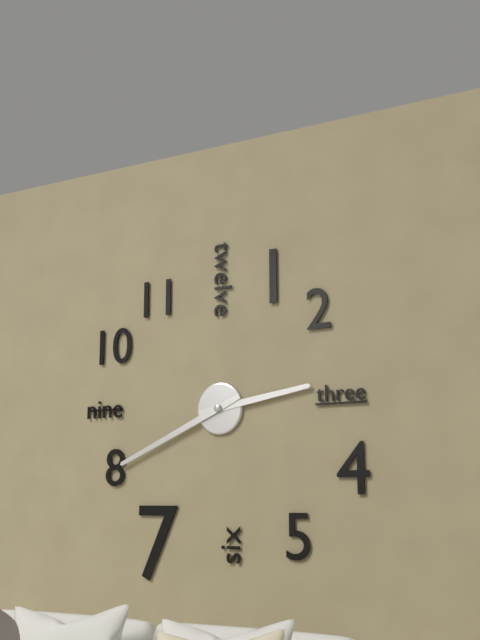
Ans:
2h41
